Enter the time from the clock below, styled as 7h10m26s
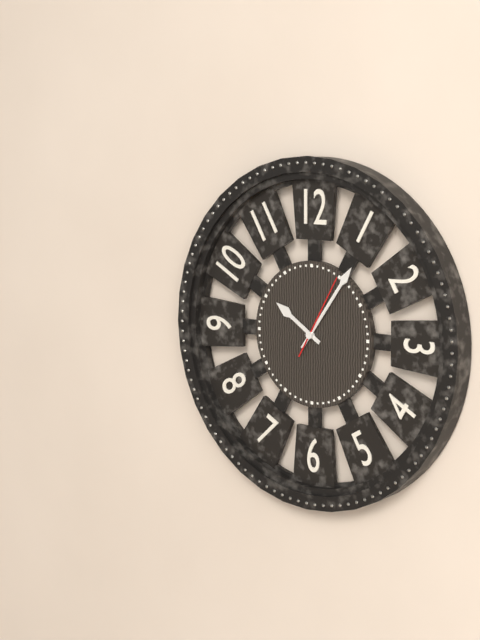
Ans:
10h06m05s
